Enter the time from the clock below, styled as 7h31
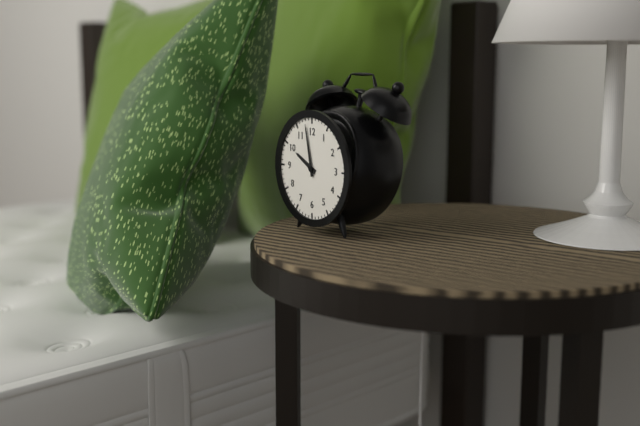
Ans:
9h58
